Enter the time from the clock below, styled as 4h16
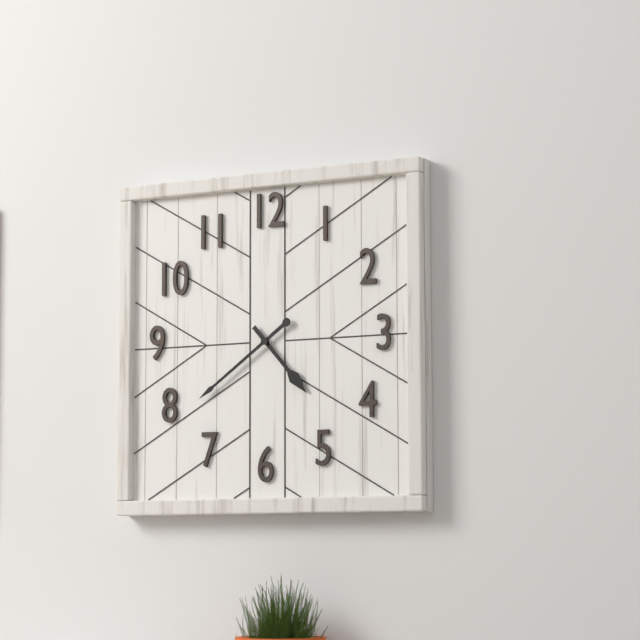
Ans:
4h39
